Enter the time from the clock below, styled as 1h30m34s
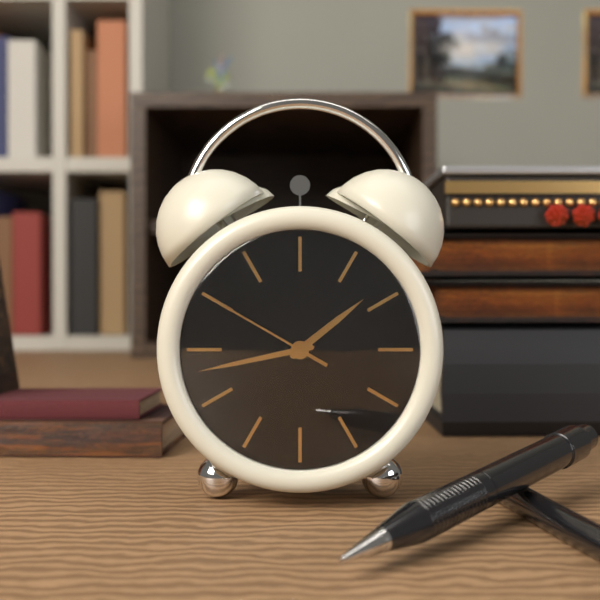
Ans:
1h43m50s
